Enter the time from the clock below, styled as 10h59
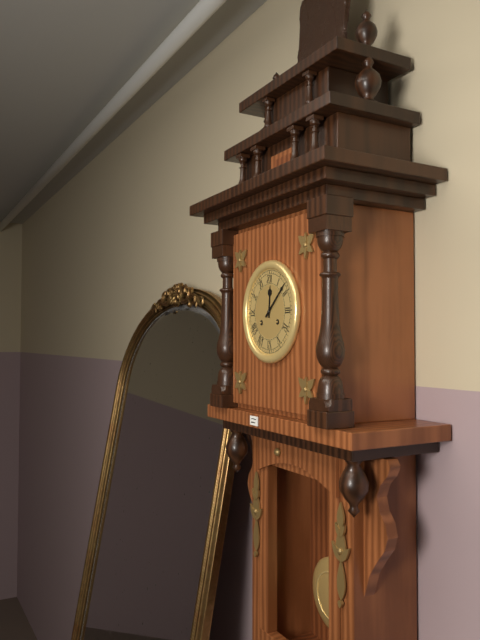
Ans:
12h08
